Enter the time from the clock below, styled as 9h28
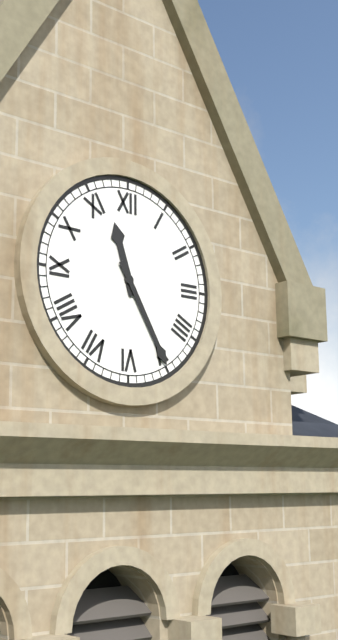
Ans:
11h25
